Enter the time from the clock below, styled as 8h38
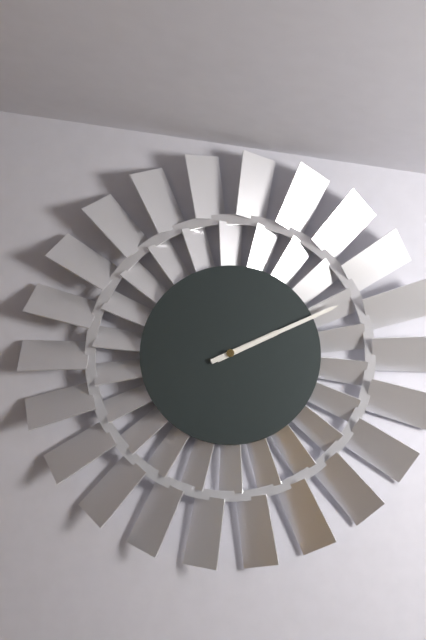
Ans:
2h11
